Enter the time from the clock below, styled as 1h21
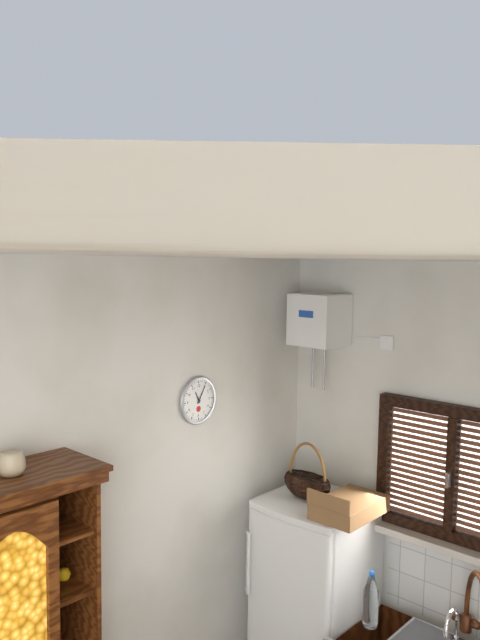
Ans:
11h05
